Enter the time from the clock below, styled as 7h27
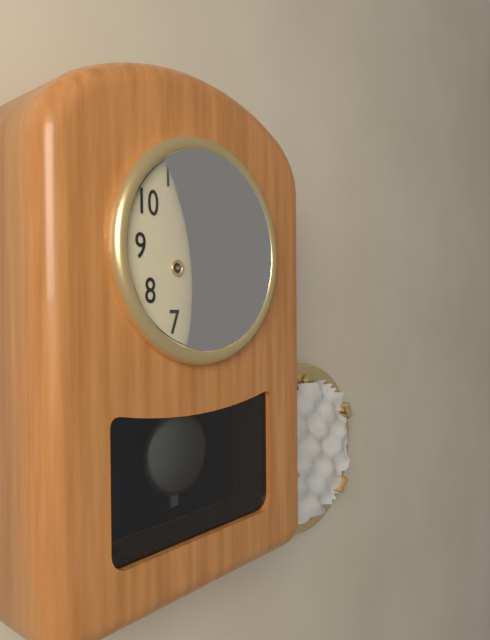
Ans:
3h55
